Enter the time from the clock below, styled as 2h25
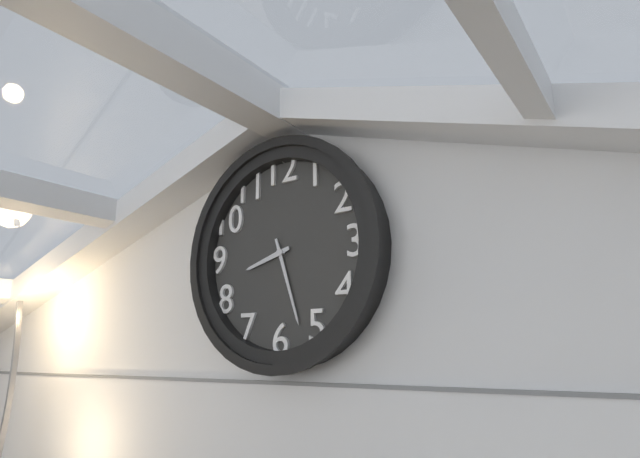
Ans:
8h27
